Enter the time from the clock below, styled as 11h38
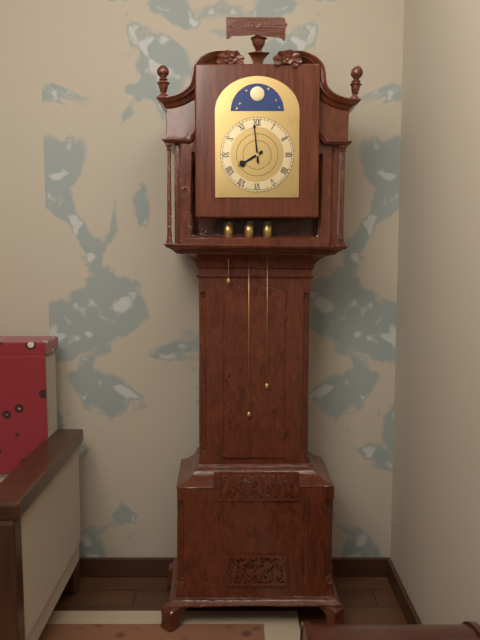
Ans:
7h59
